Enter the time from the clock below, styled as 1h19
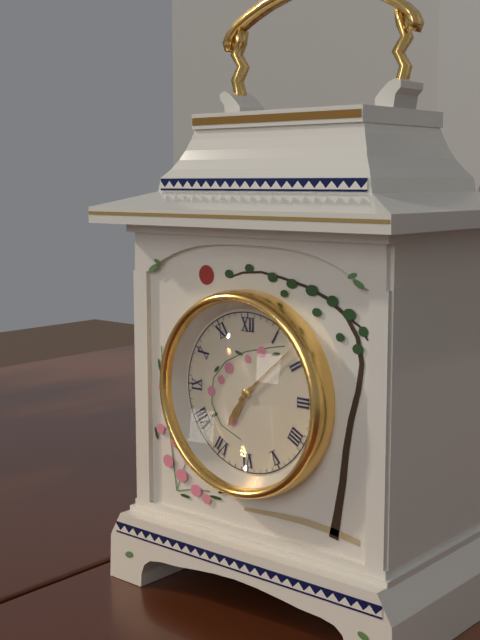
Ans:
7h08
